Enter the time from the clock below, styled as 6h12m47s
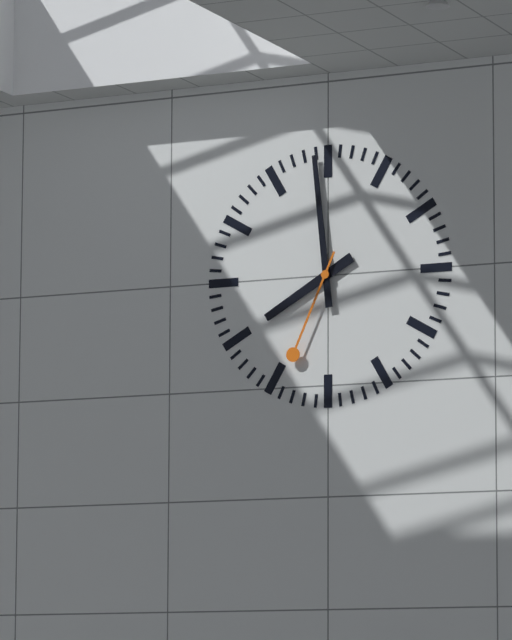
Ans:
7h59m34s
